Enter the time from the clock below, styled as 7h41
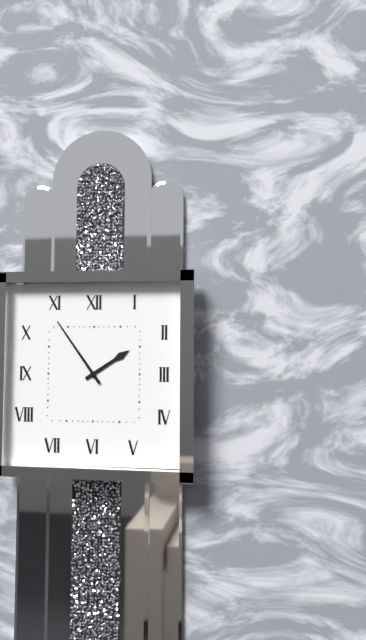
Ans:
1h54
